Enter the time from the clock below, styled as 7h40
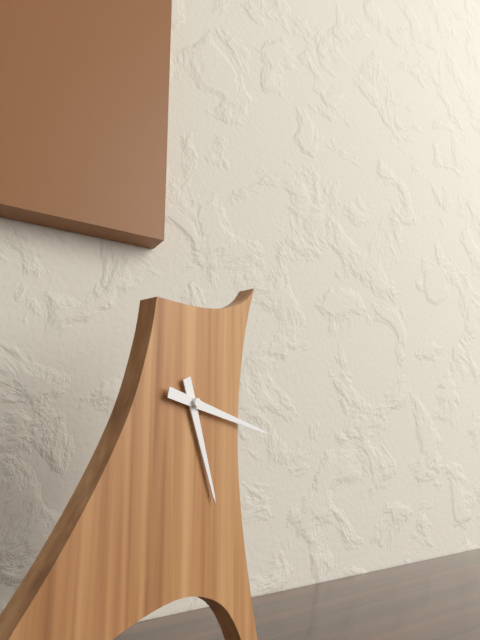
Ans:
5h17
